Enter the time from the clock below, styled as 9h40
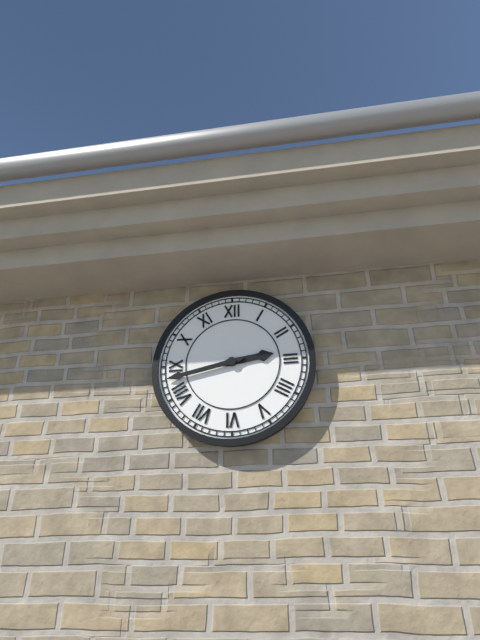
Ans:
2h43
